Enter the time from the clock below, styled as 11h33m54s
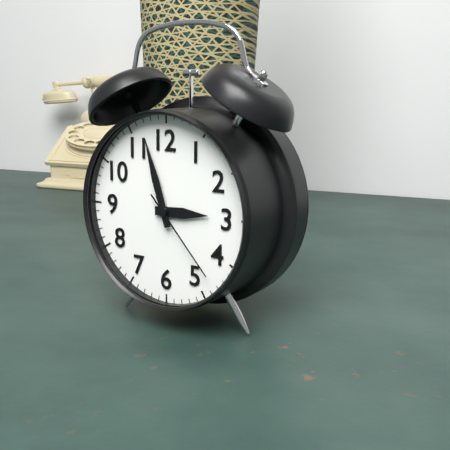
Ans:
2h57m23s
